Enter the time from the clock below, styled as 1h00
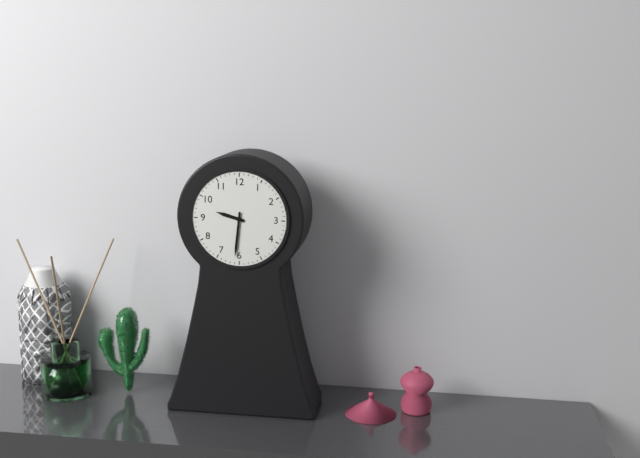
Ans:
9h31
